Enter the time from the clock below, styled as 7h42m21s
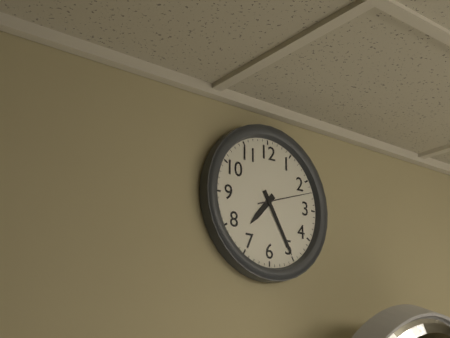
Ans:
7h25m12s
